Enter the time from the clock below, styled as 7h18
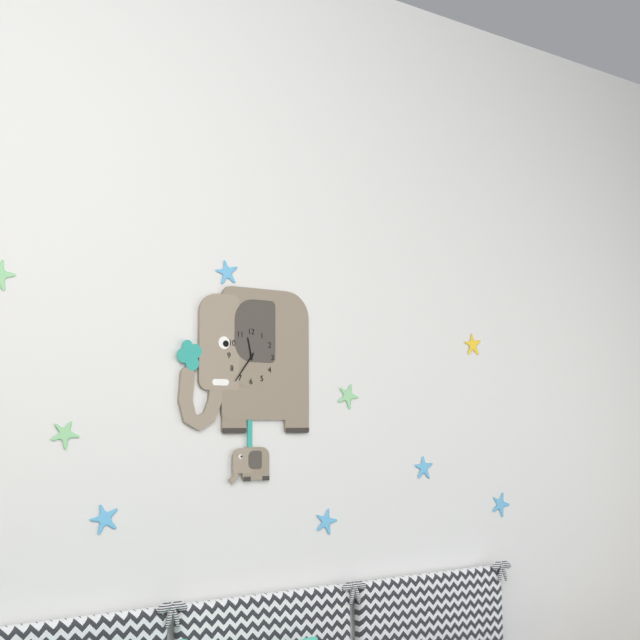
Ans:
11h36
